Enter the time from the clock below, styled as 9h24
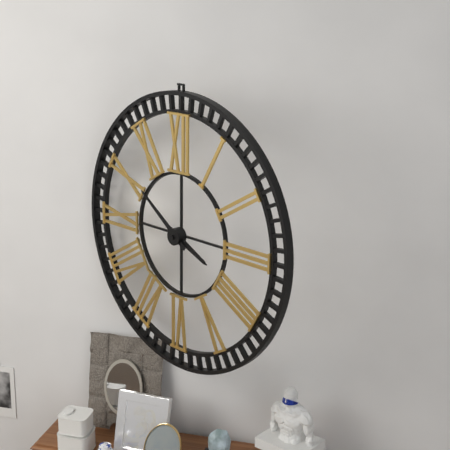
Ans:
3h51
